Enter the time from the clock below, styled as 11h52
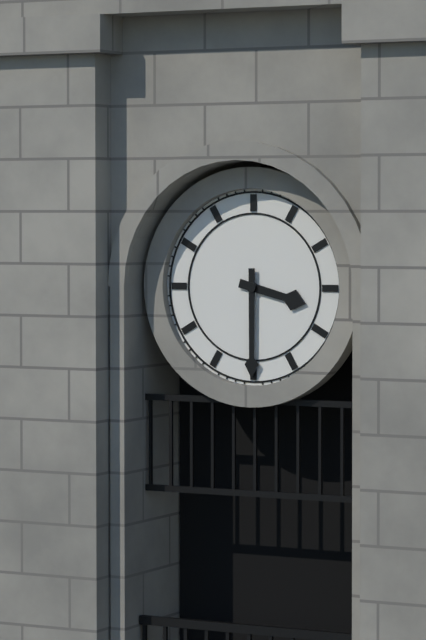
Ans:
3h30
